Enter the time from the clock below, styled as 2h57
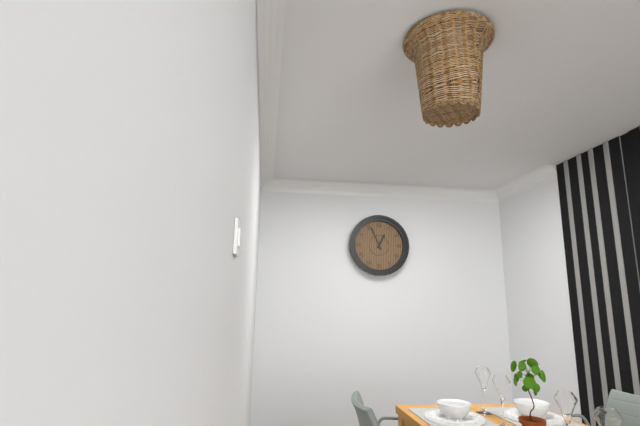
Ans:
12h56
